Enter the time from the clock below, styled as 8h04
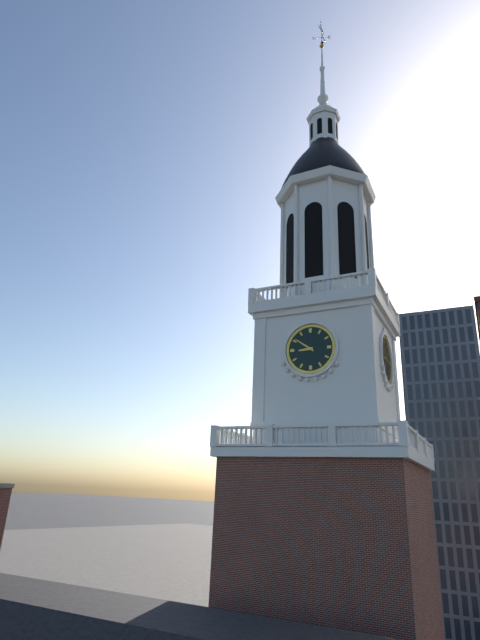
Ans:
8h51
